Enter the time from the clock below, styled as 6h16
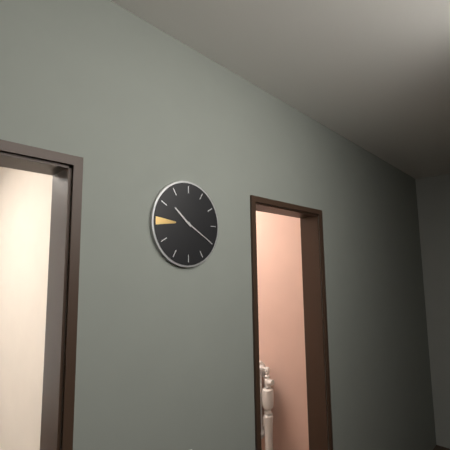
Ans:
10h20
